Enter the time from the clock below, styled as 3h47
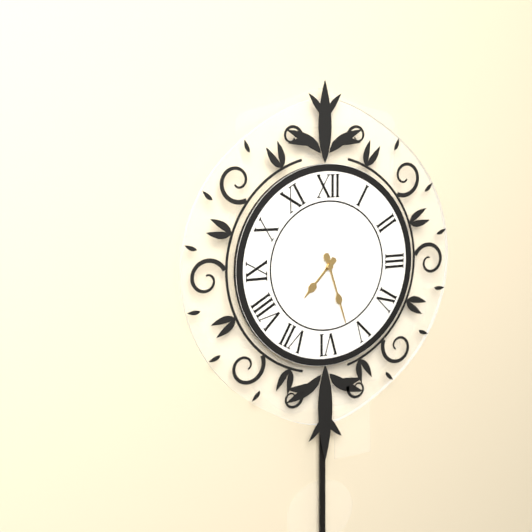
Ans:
7h27
